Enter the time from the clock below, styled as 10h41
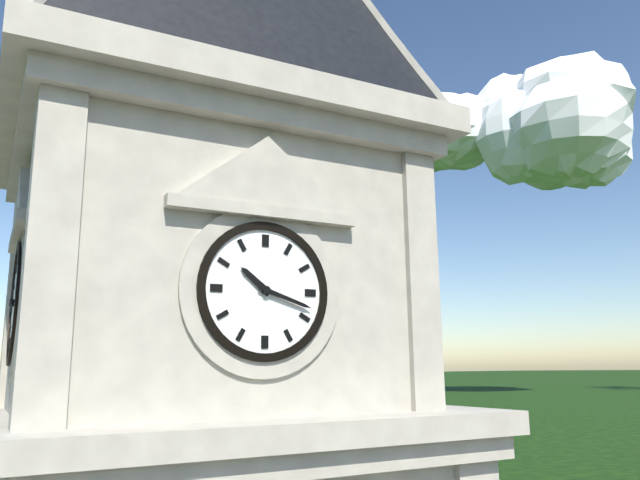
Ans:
10h18
